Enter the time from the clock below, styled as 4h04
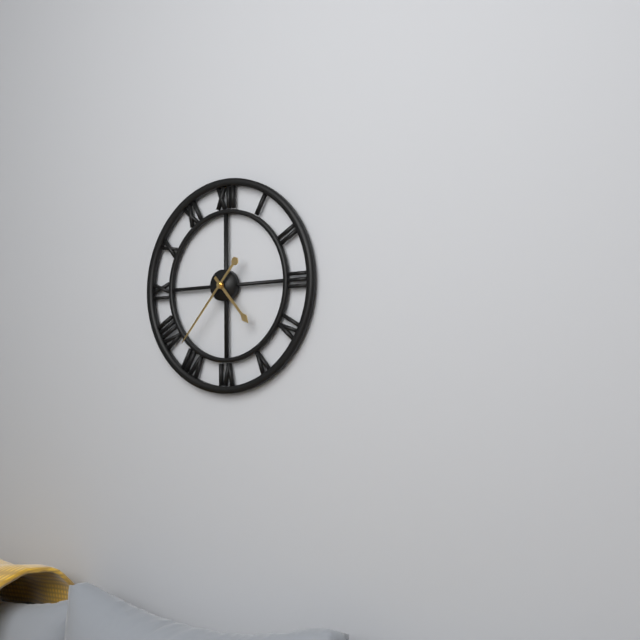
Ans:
4h37
